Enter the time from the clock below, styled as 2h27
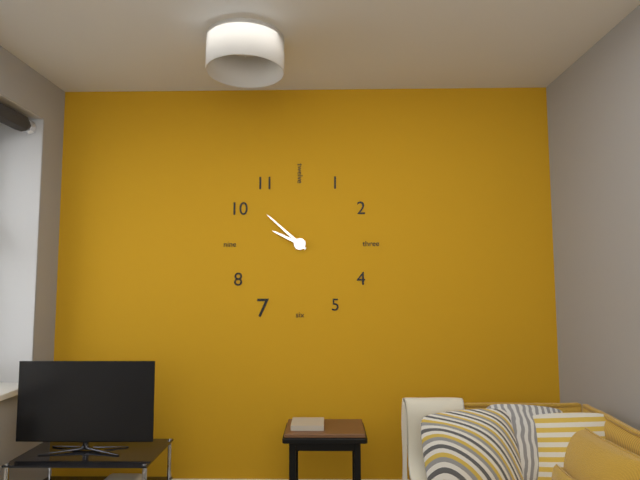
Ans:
9h52
